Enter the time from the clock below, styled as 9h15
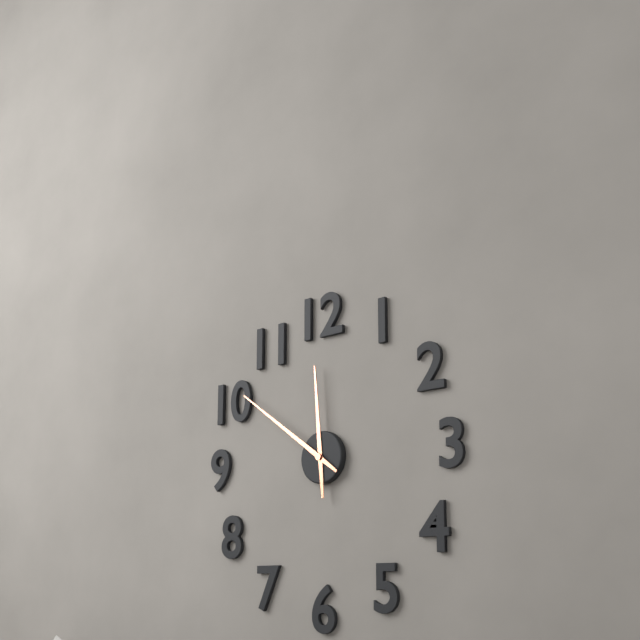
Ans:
11h51
